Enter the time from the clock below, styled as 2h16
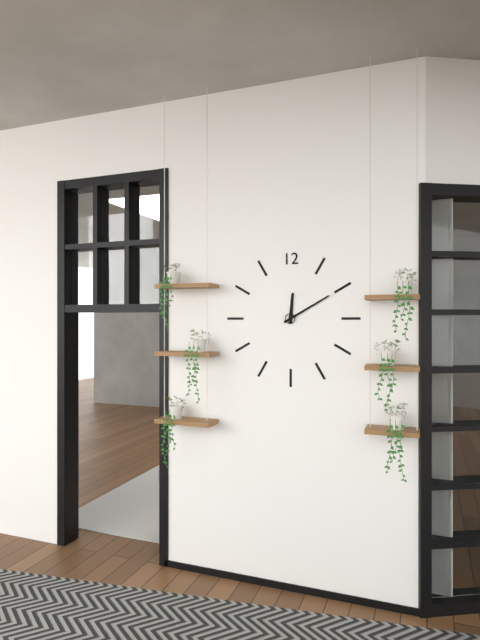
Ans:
12h10
